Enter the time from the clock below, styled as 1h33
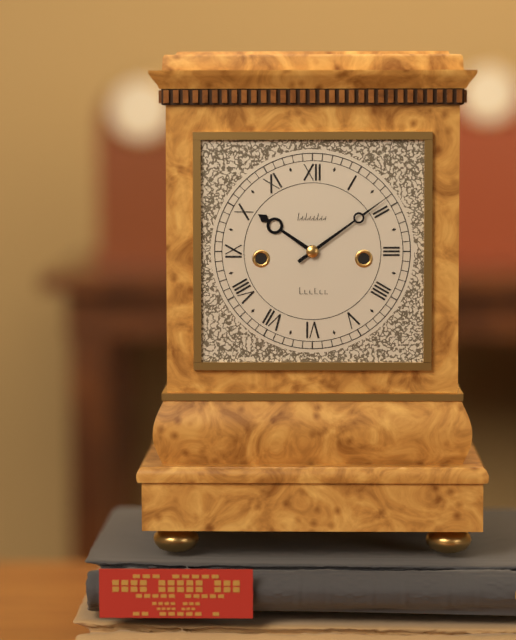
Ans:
10h09
